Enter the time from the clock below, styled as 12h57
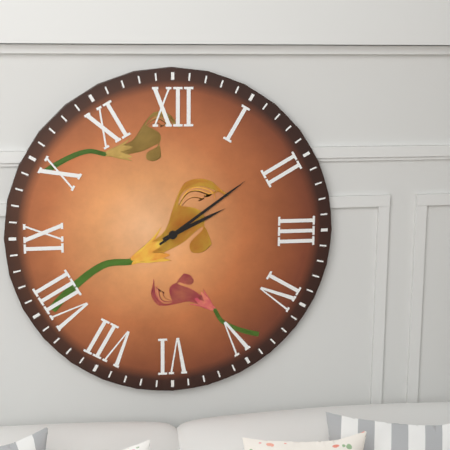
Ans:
2h09
